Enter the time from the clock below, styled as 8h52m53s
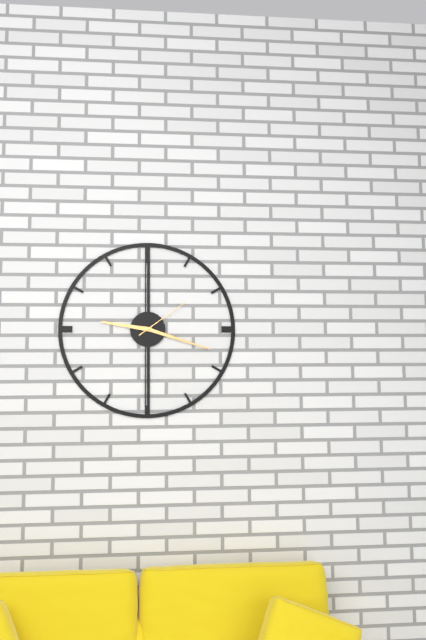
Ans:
9h18m09s
